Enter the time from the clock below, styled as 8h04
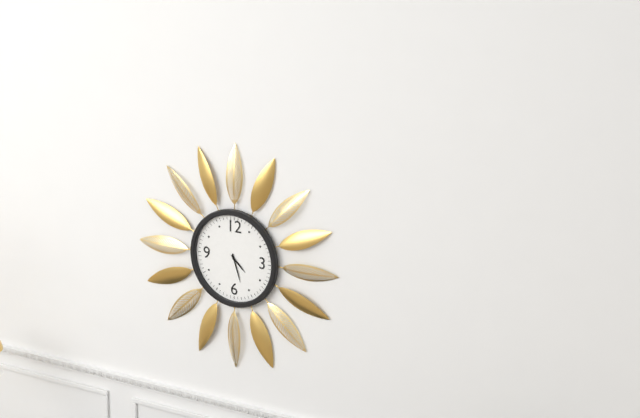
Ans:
4h27
